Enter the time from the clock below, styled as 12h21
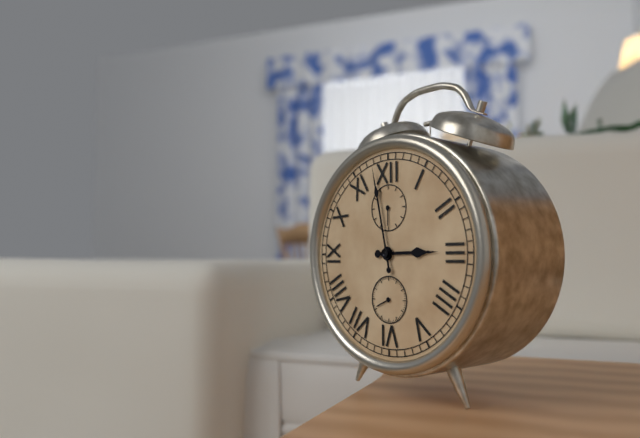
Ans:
2h58
